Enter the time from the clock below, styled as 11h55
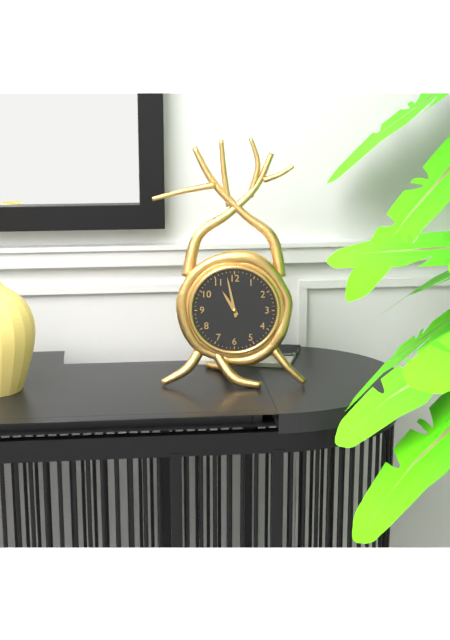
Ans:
10h58
